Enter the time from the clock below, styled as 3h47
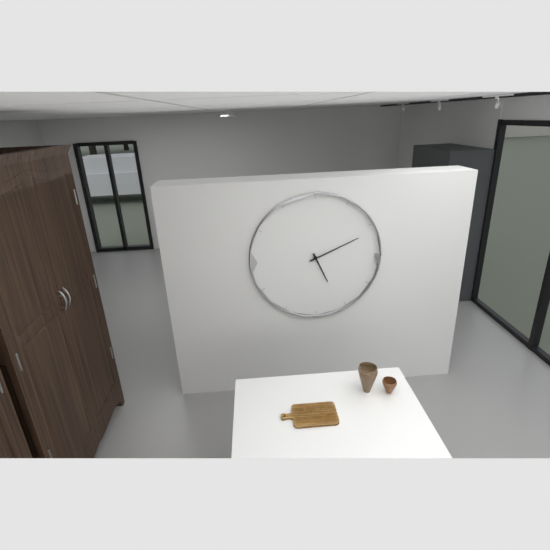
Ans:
5h11
